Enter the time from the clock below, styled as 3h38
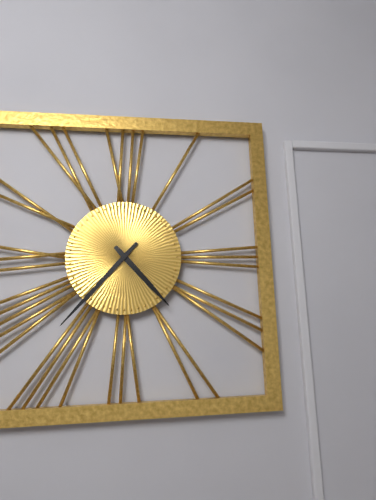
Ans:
4h37
